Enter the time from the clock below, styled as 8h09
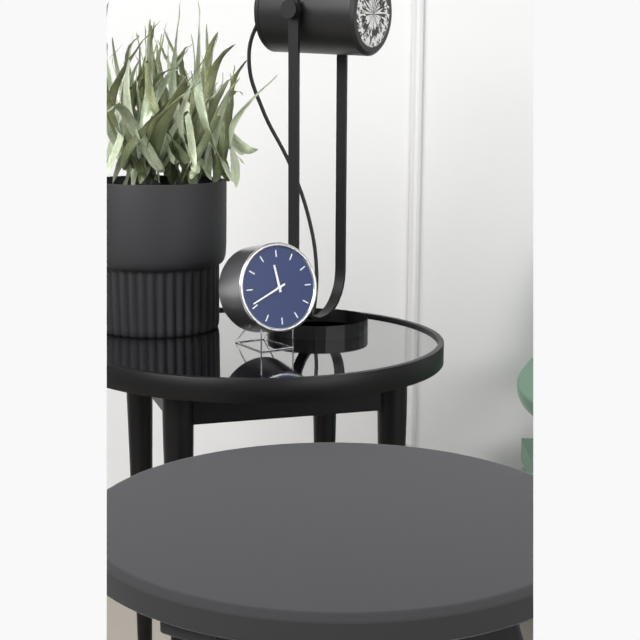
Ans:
11h41
